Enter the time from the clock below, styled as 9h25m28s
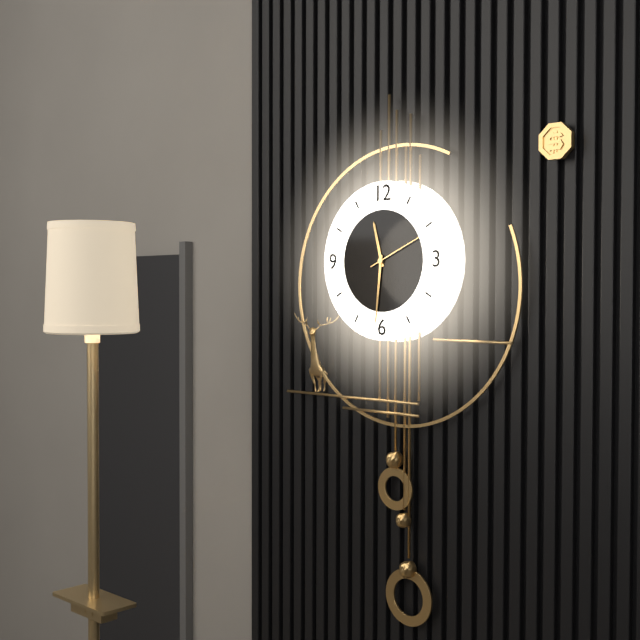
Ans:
11h31m11s
